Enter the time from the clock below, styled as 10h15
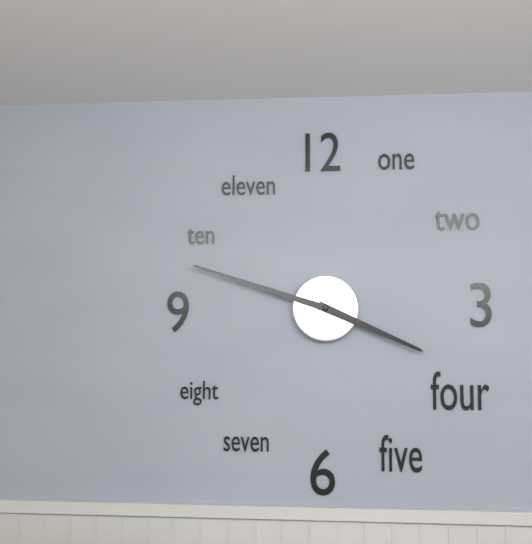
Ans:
3h48
